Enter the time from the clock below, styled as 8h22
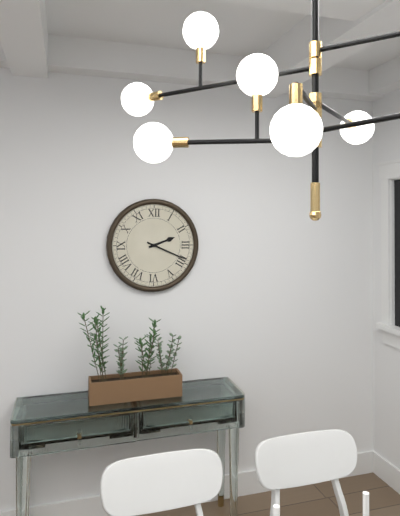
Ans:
2h19
